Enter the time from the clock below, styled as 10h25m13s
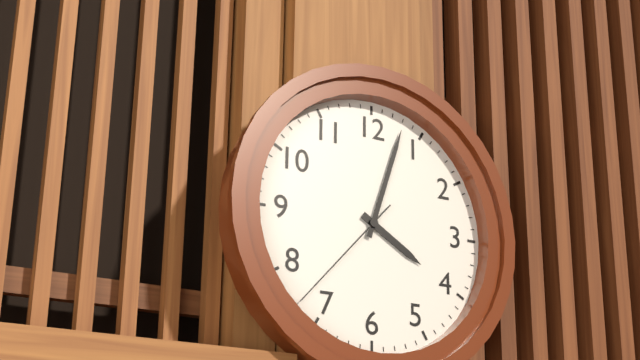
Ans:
4h03m37s
